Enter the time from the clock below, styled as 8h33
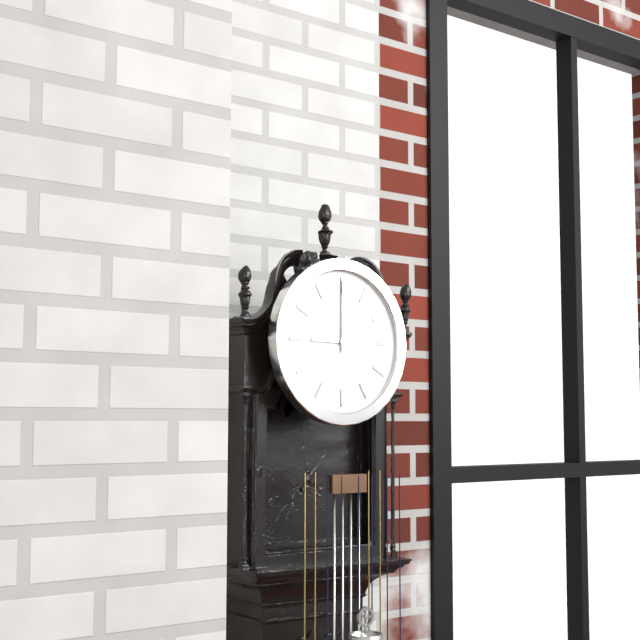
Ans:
9h00
